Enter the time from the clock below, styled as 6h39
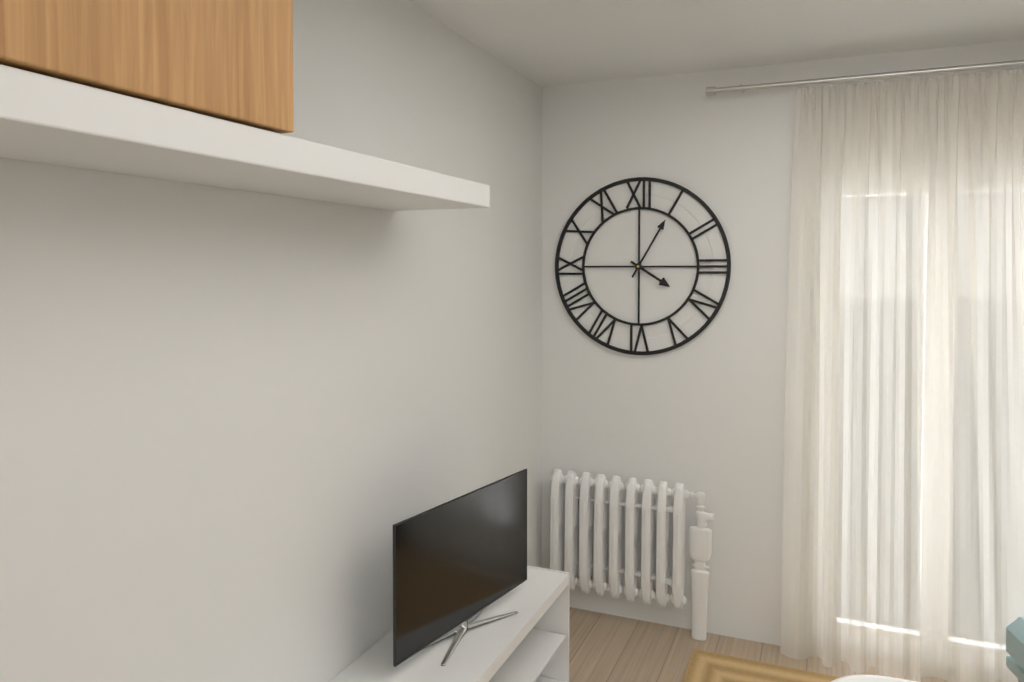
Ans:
4h05
